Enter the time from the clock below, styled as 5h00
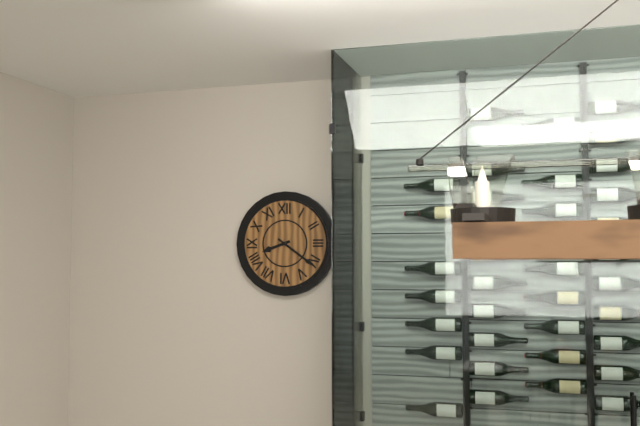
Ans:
8h21
